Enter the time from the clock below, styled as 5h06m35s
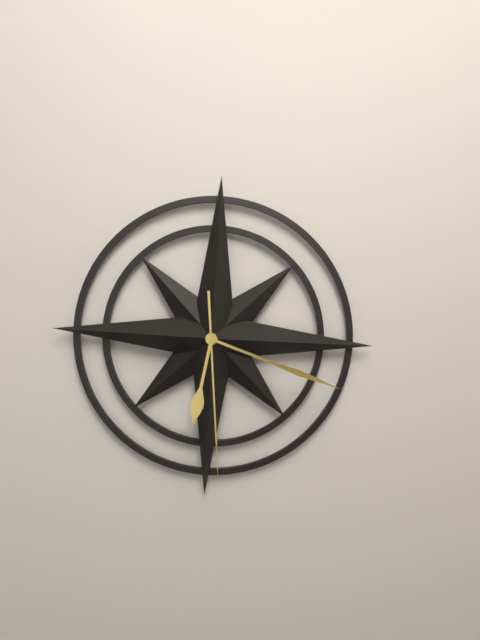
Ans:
6h18m29s
